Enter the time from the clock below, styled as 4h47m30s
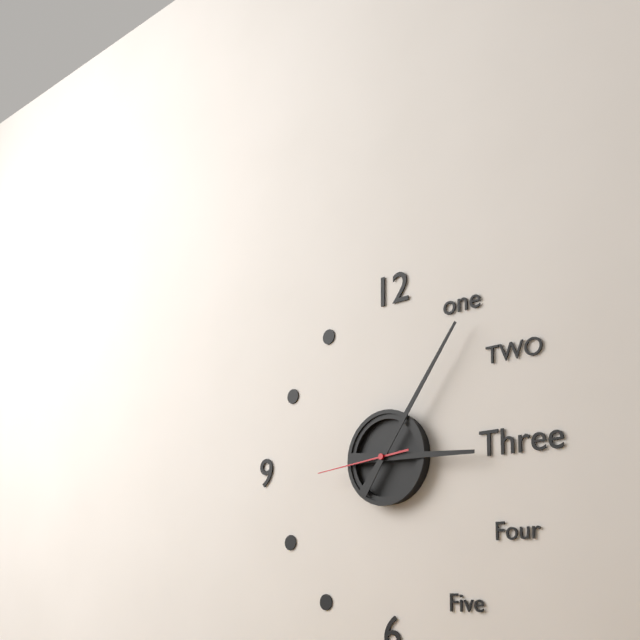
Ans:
3h06m44s
